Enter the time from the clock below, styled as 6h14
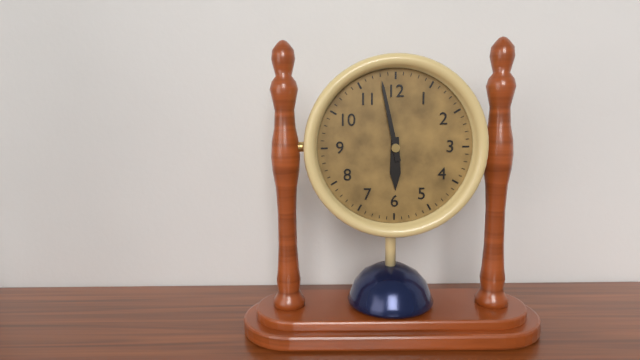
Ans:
5h58
